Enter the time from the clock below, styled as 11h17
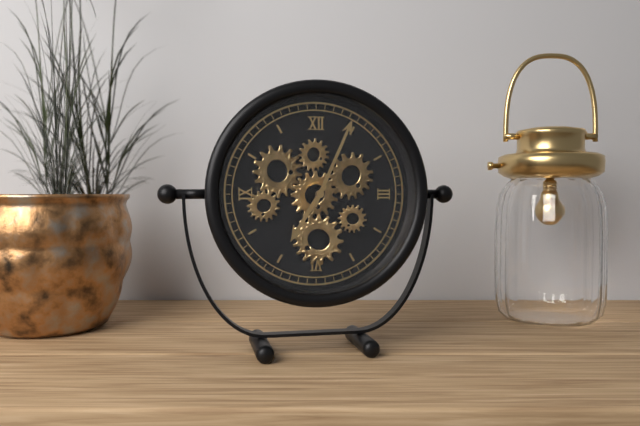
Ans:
7h04
